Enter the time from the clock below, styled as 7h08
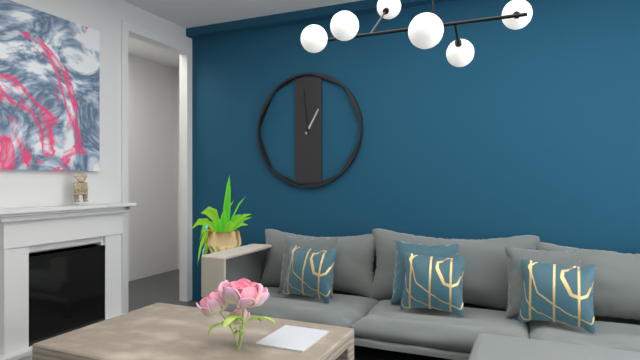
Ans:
12h59
